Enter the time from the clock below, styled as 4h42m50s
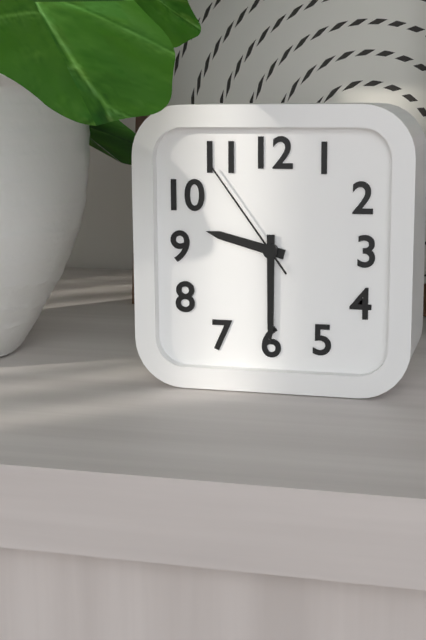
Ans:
9h30m54s
